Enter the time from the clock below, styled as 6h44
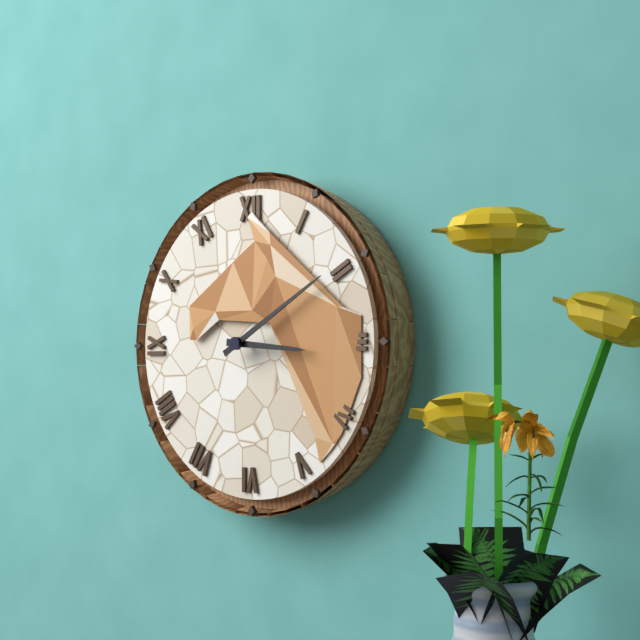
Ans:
3h10
